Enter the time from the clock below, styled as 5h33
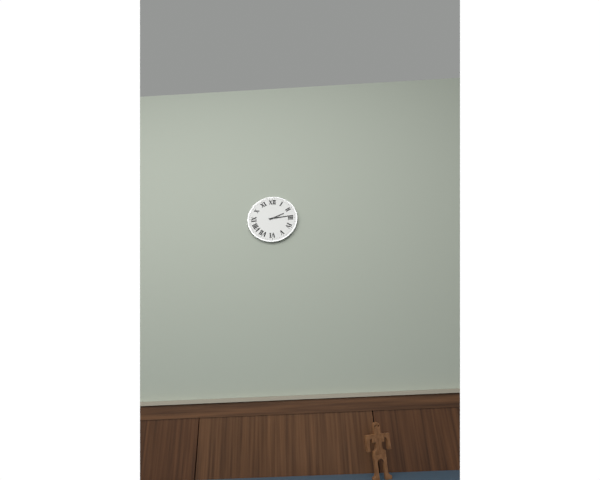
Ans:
2h14
